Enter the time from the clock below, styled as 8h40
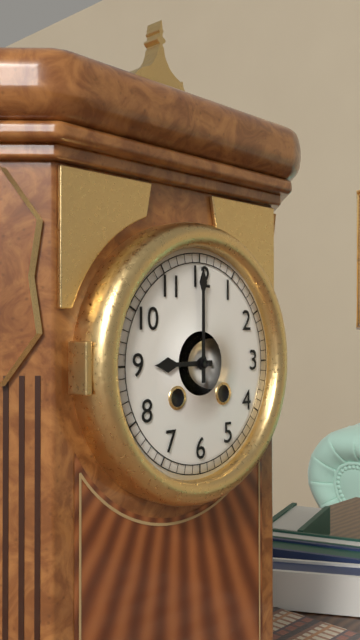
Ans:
9h00
